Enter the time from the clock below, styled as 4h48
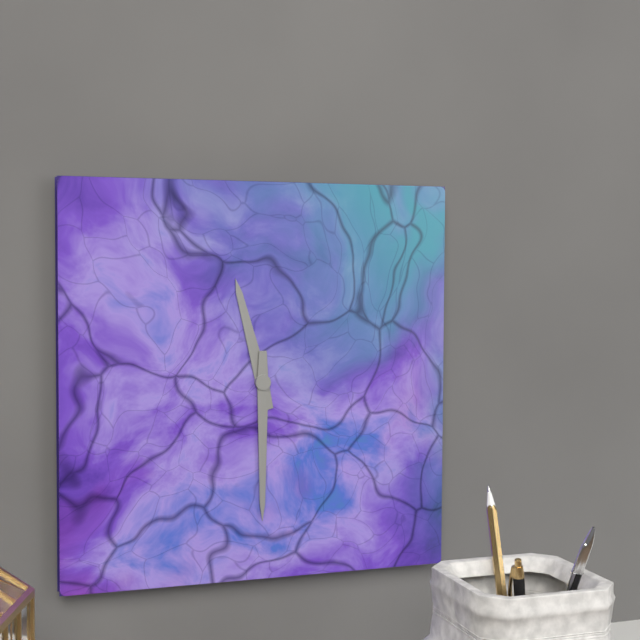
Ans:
11h30
